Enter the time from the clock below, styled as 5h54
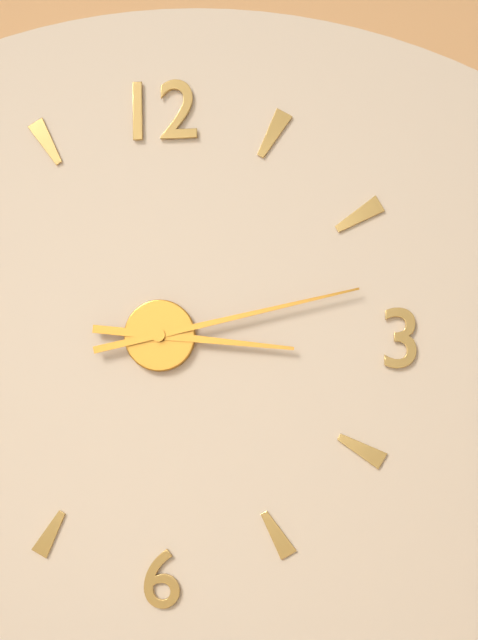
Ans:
3h13
